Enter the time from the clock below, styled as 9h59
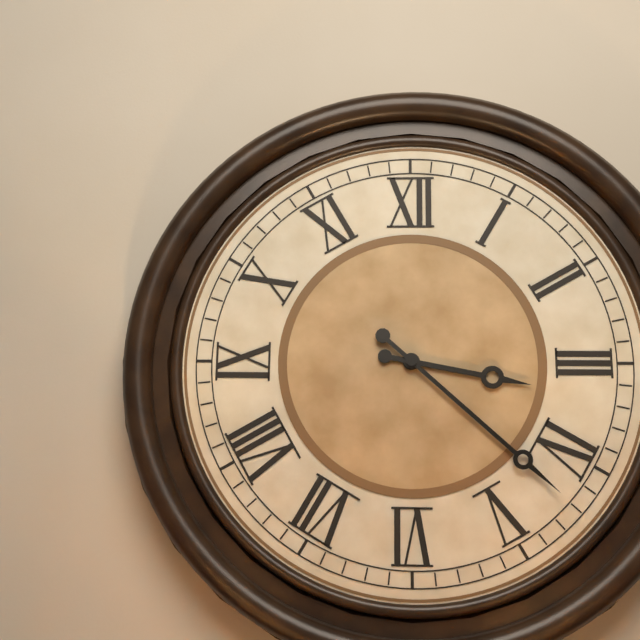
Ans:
3h22
